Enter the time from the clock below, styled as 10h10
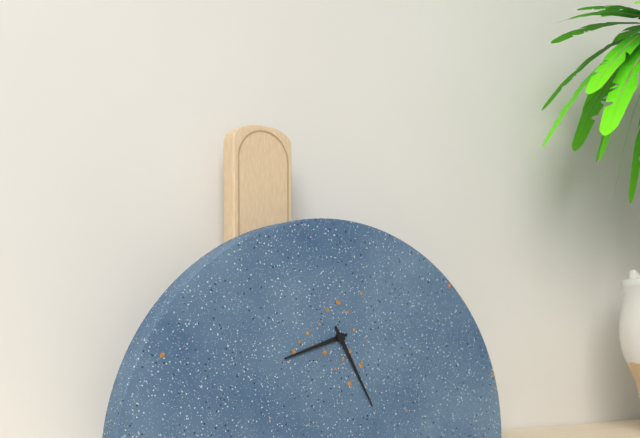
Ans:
8h25
